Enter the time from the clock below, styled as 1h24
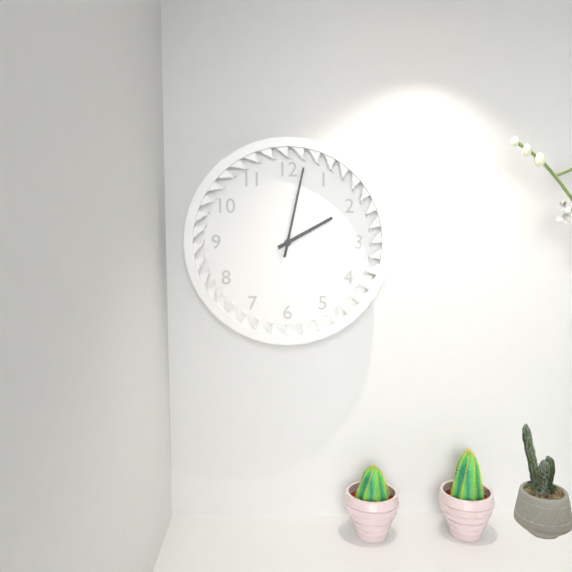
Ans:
2h02
